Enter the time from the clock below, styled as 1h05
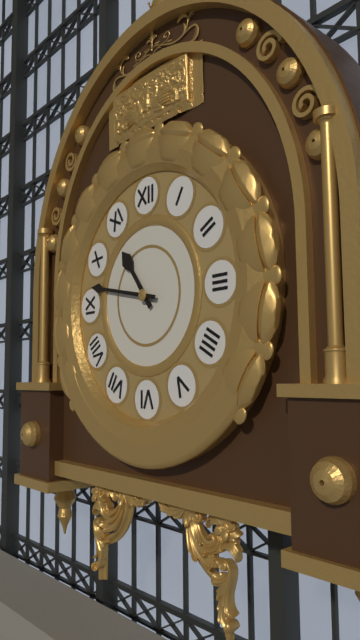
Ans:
10h47
